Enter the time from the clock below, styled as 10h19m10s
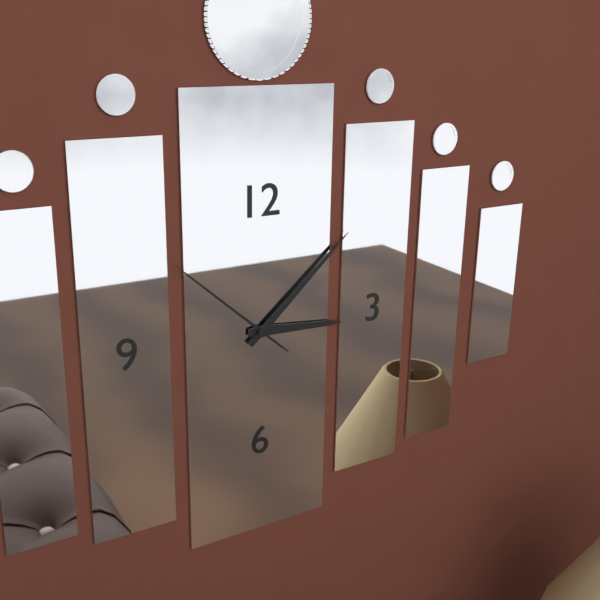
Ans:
3h08m52s
